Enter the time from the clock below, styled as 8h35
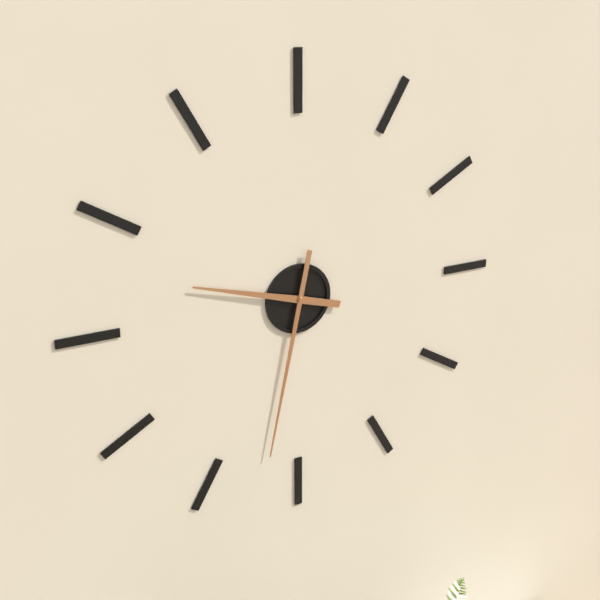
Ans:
9h32
